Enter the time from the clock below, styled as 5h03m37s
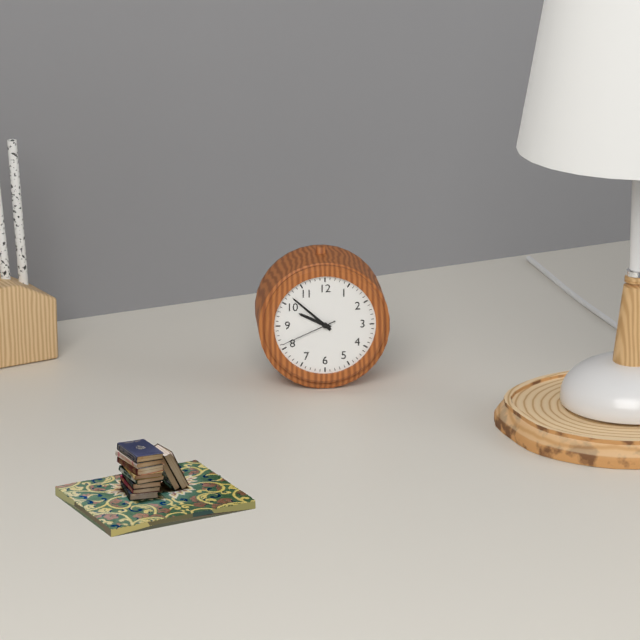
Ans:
9h52m41s
